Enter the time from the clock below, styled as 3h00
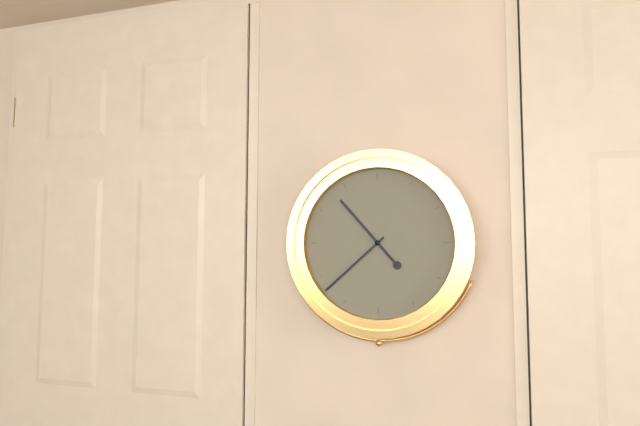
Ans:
10h38
